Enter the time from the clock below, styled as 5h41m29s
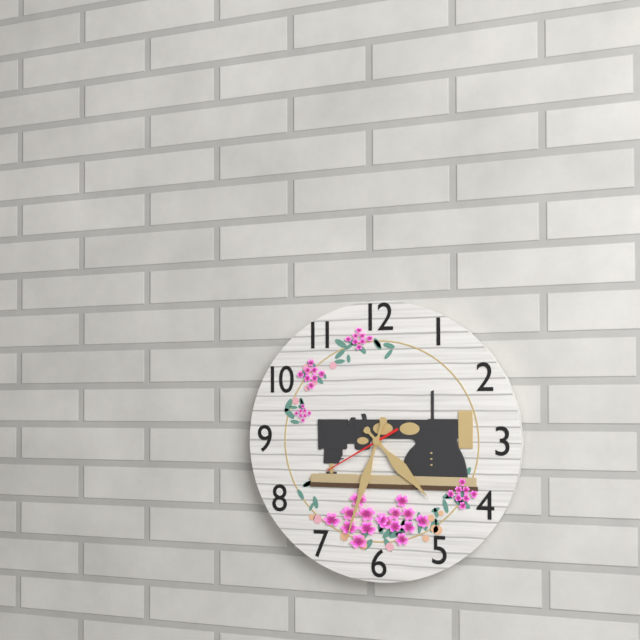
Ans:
4h33m40s
